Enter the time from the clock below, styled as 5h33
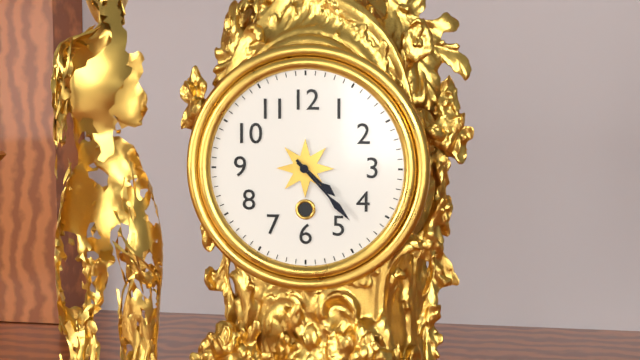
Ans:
4h23
